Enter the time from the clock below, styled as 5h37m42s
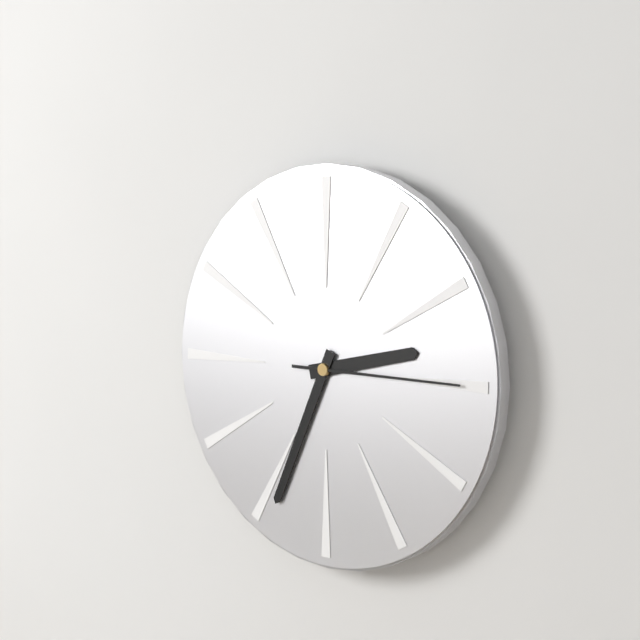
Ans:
2h34m15s
